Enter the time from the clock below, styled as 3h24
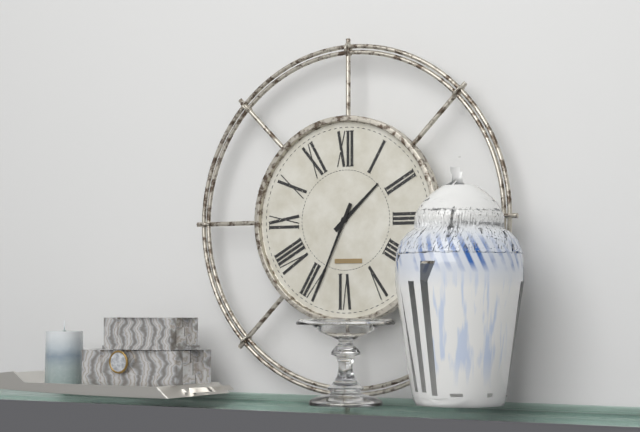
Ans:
1h34
